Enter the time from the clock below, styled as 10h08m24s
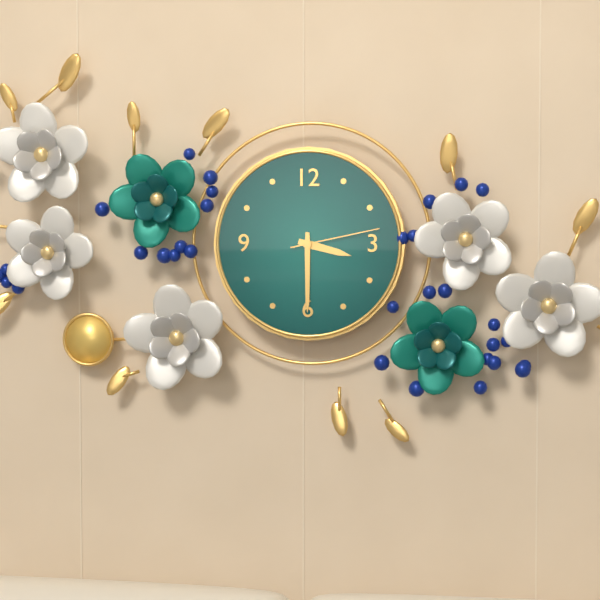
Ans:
3h30m13s
